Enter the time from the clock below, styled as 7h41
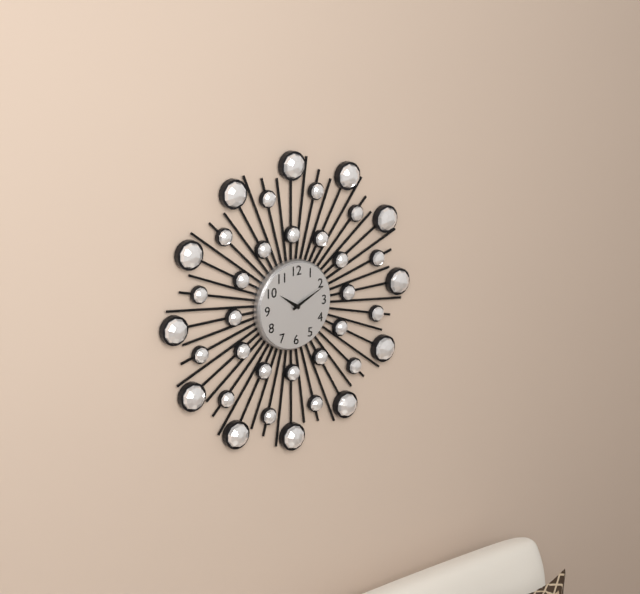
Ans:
10h11
